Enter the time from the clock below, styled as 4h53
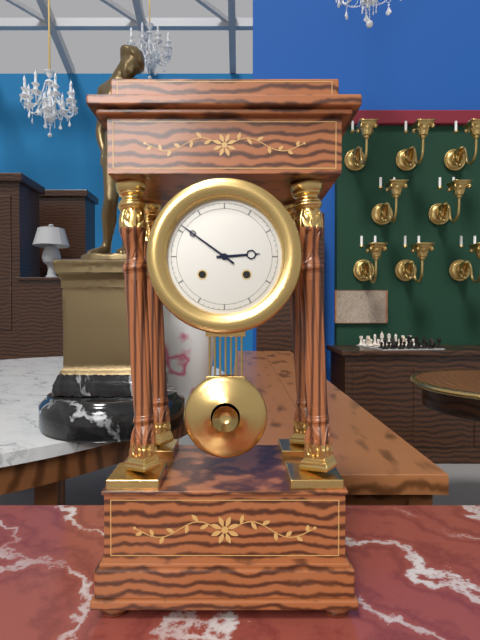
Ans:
2h51
